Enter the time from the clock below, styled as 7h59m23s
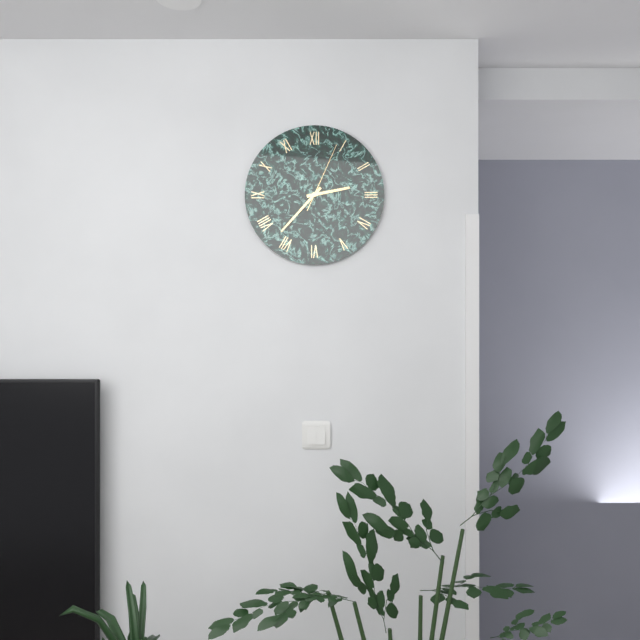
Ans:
2h37m04s
